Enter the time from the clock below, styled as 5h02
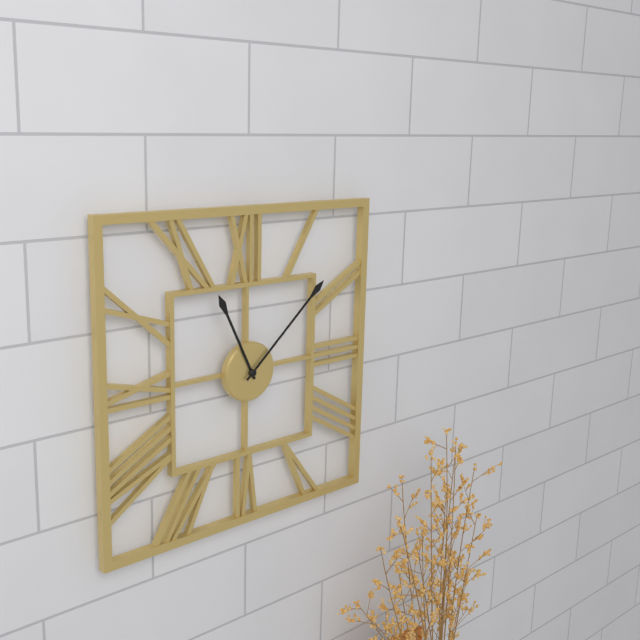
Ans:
11h08
